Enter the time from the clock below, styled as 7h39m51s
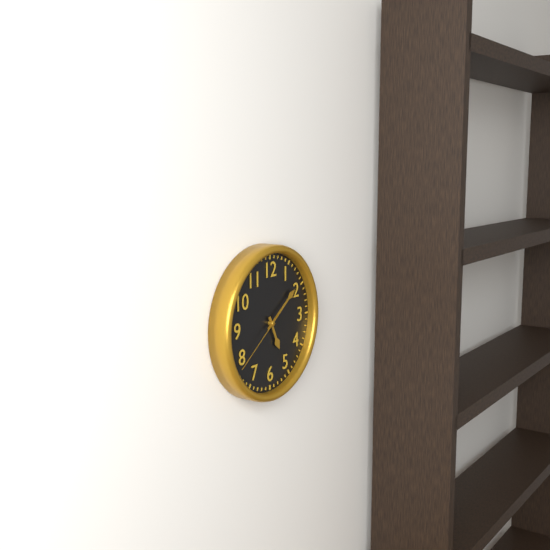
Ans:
5h09m39s
